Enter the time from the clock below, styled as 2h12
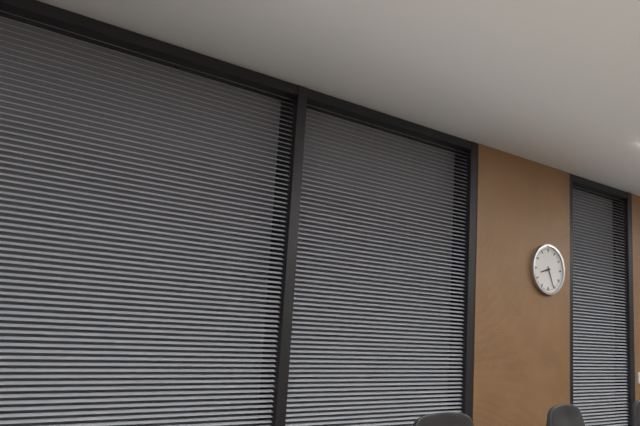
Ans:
8h26
